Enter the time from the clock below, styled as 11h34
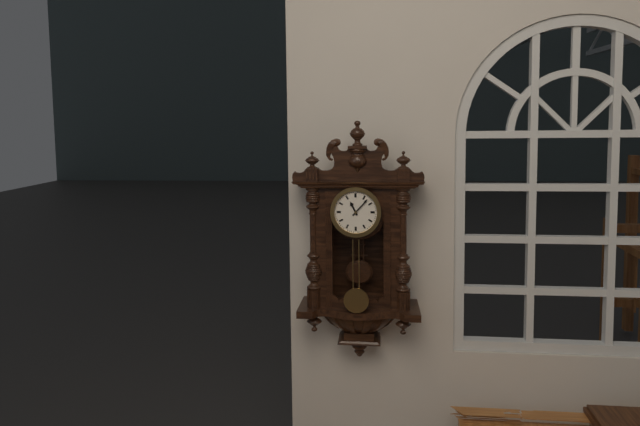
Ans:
11h07
